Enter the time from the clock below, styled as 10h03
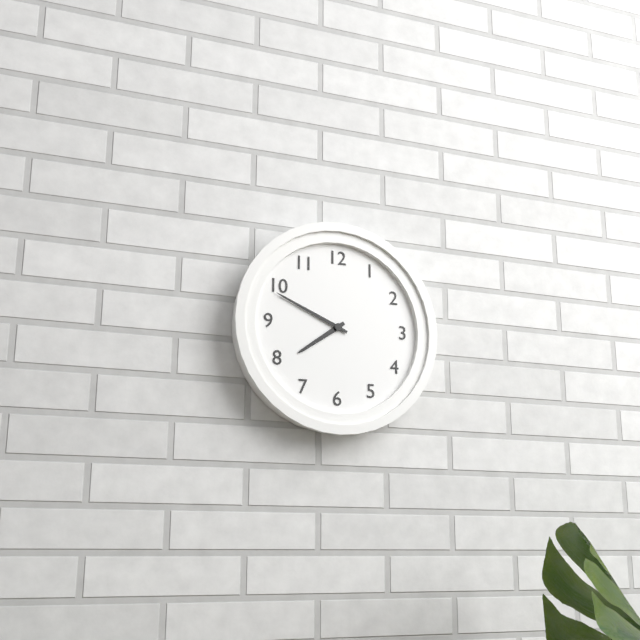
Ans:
7h49
